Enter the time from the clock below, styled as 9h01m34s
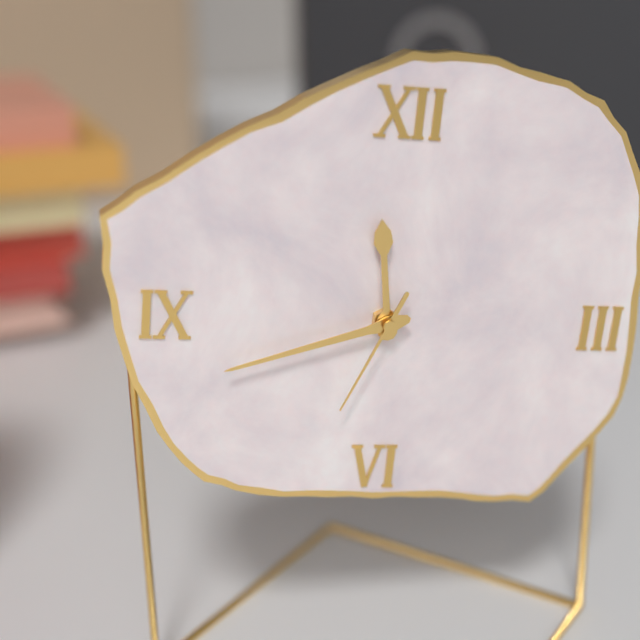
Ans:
11h42m34s
